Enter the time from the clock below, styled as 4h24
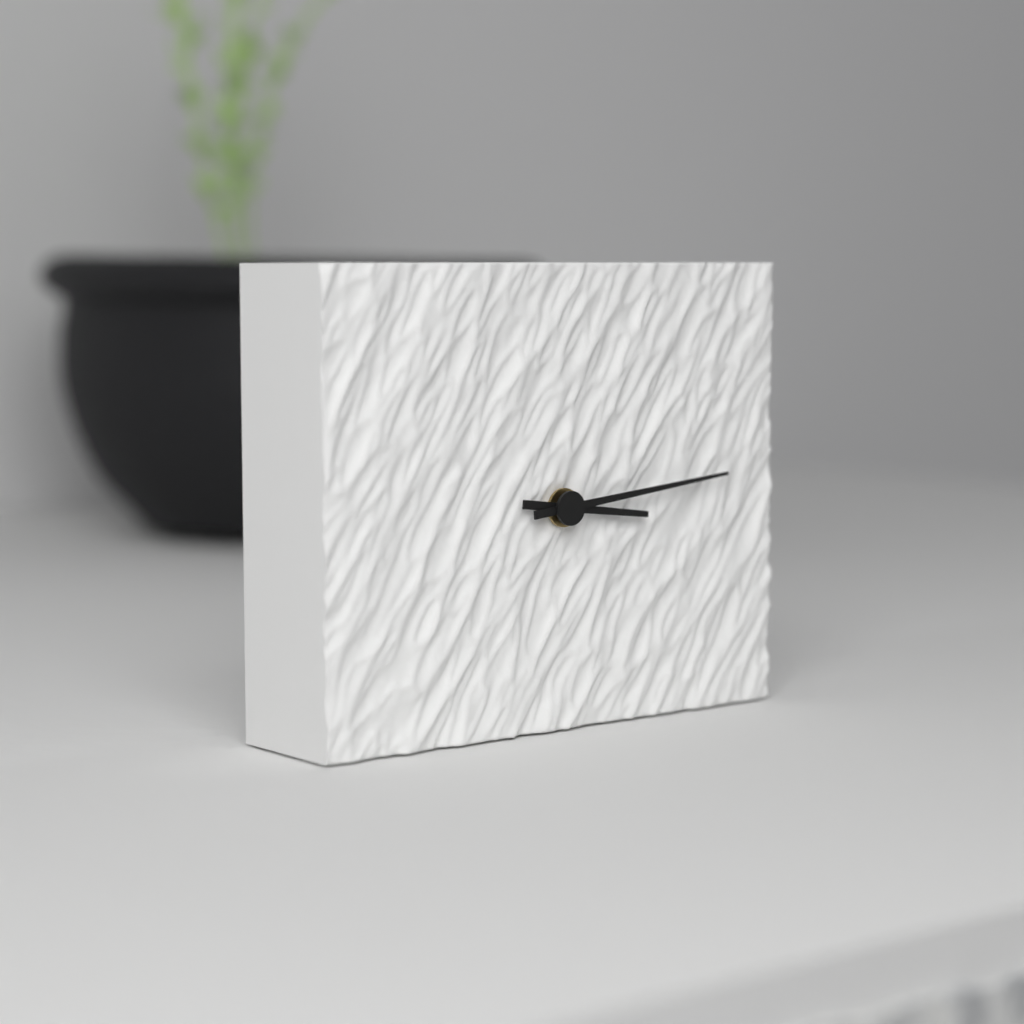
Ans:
3h14
